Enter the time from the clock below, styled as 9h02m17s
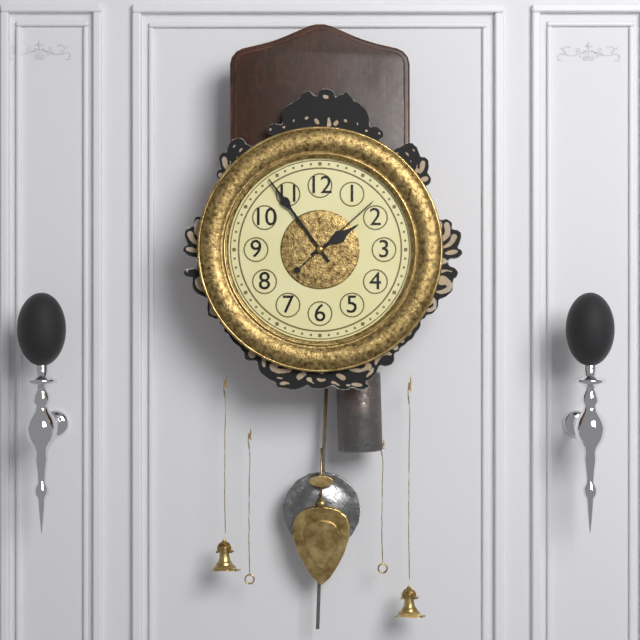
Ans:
1h54m08s
